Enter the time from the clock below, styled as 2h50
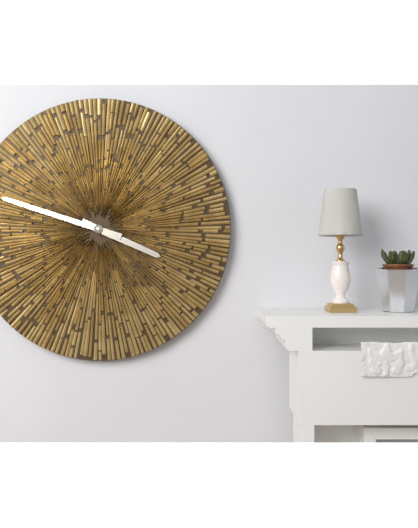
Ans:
3h48
